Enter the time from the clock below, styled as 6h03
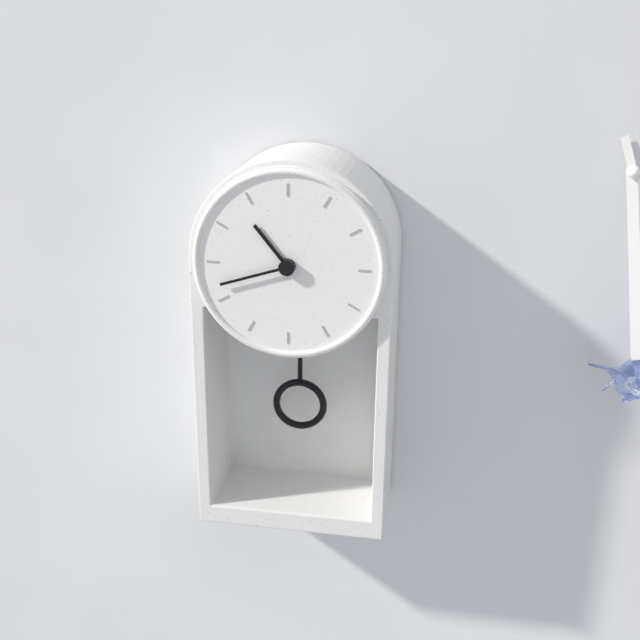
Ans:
10h42
